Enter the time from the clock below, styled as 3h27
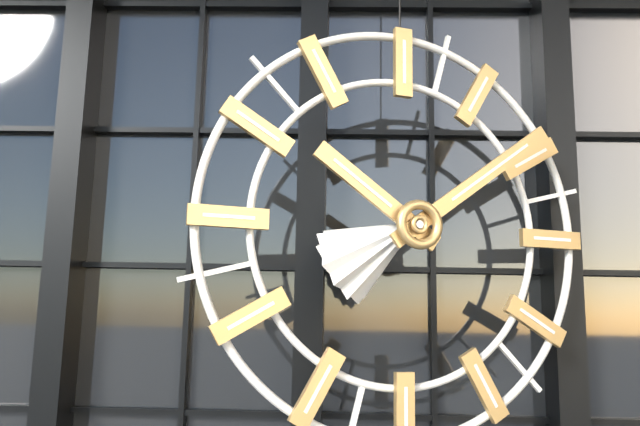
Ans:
10h09
